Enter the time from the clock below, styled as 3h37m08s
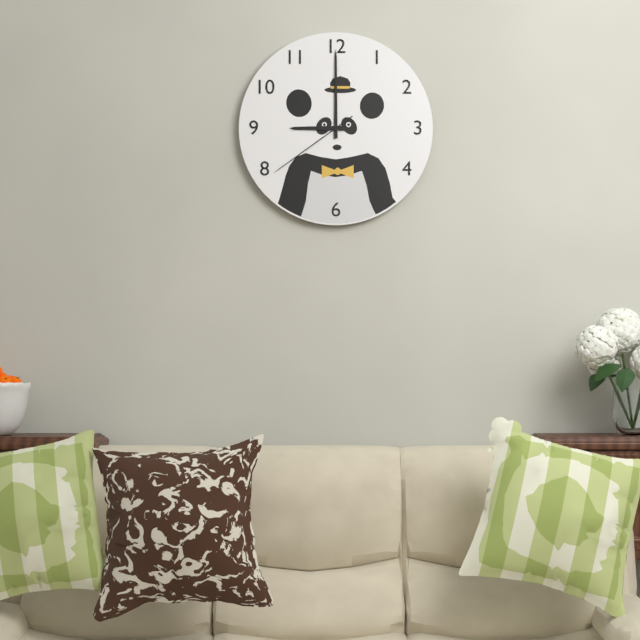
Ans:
9h00m39s
